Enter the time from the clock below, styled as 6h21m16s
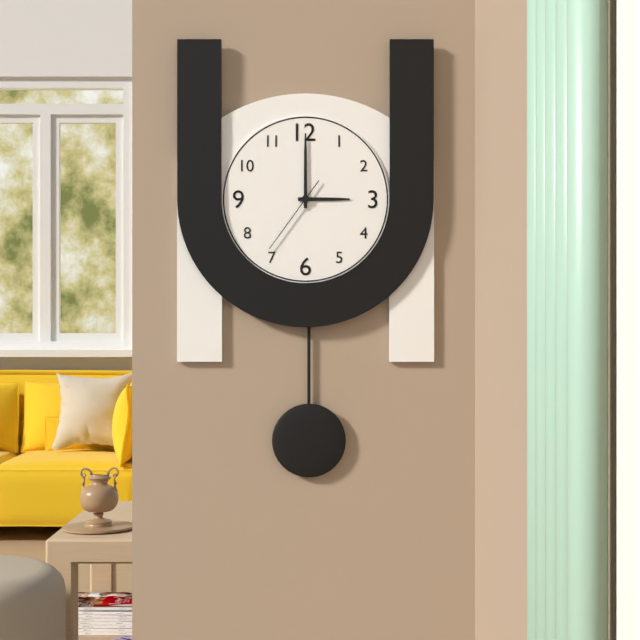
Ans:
3h00m36s
